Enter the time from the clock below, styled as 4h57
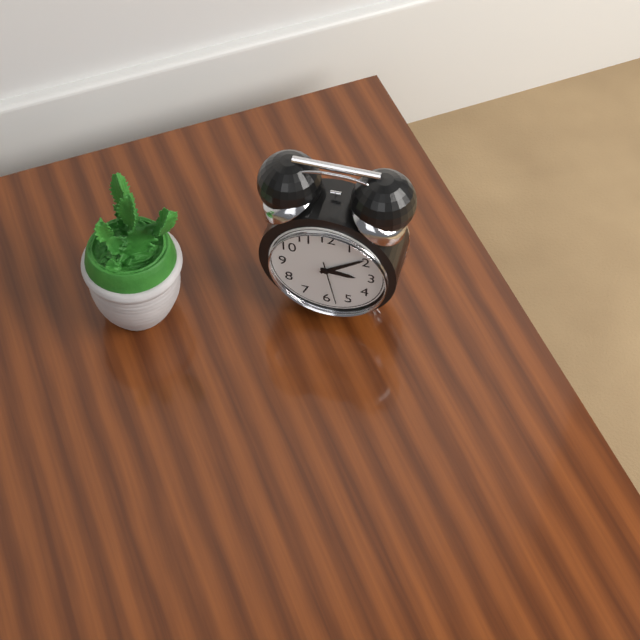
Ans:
3h09
